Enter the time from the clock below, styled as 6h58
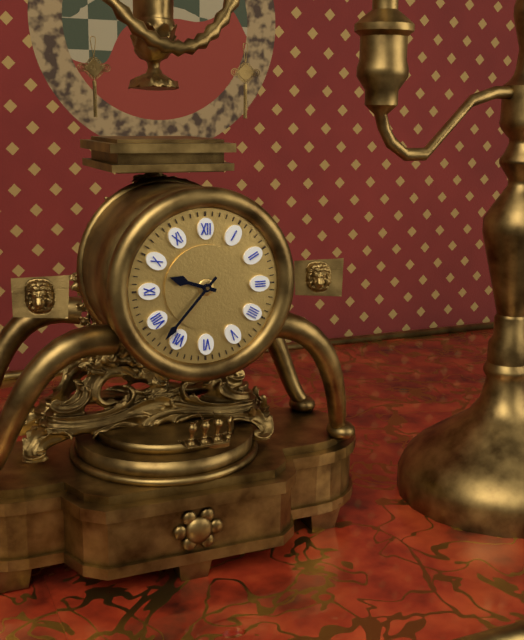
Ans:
9h37
